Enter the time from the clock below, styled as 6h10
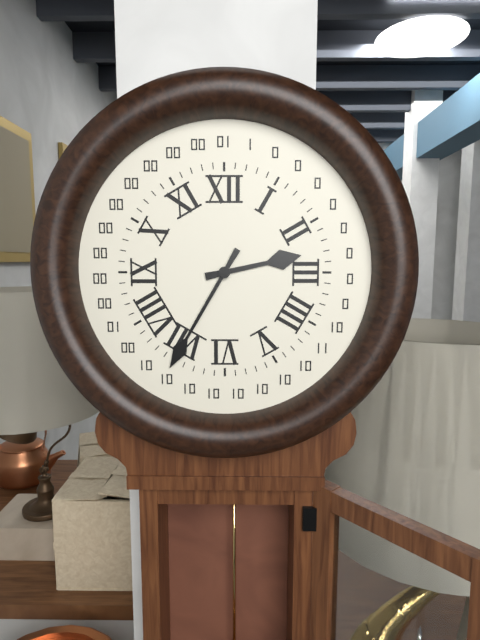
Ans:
2h35
